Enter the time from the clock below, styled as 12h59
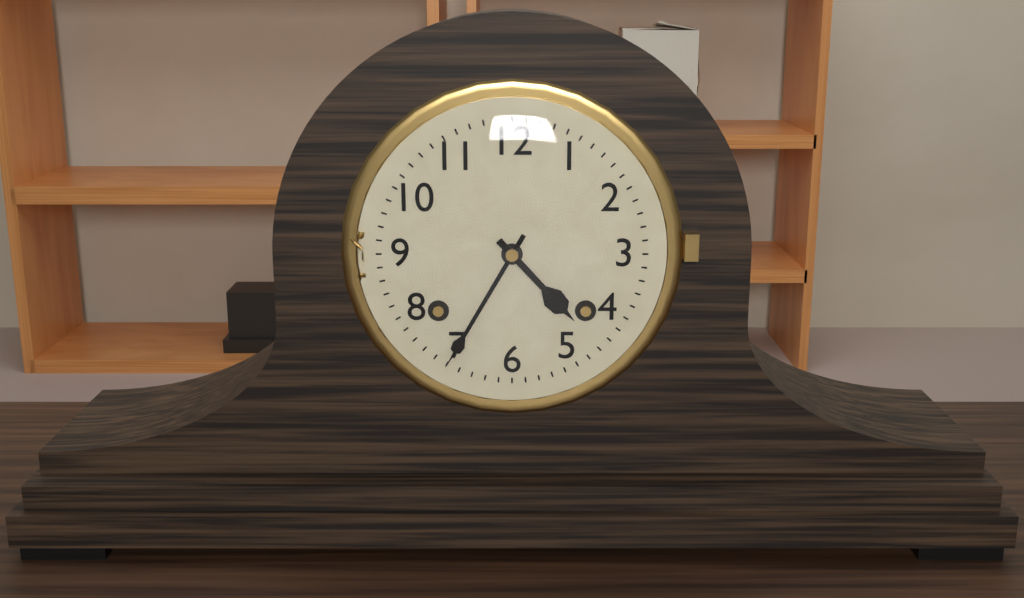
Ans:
4h35
